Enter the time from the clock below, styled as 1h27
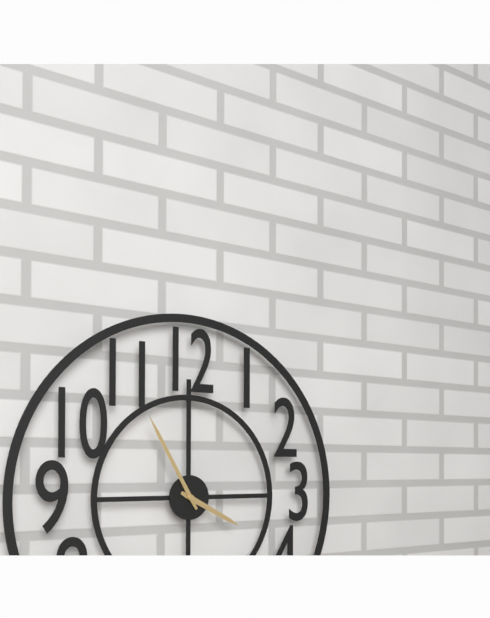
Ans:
3h55
